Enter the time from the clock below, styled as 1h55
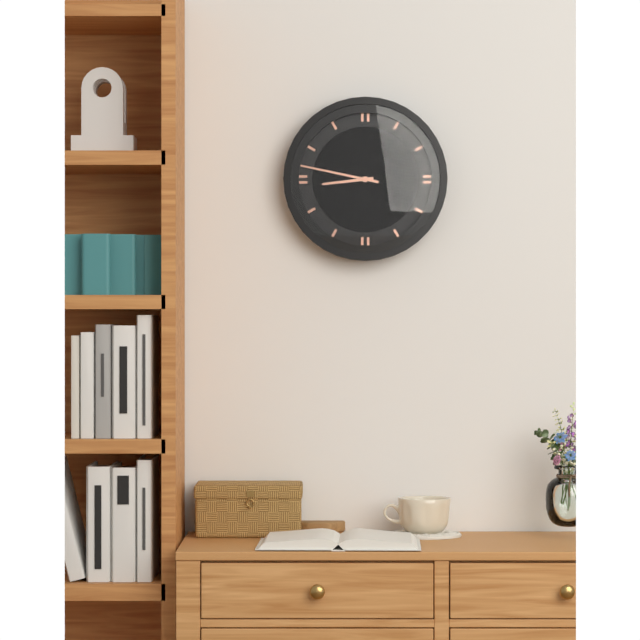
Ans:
8h47
